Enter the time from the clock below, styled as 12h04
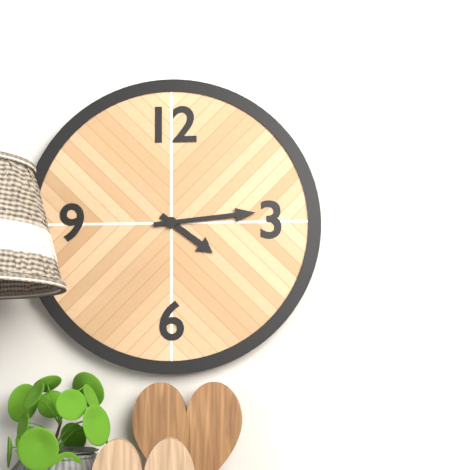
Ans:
4h14
